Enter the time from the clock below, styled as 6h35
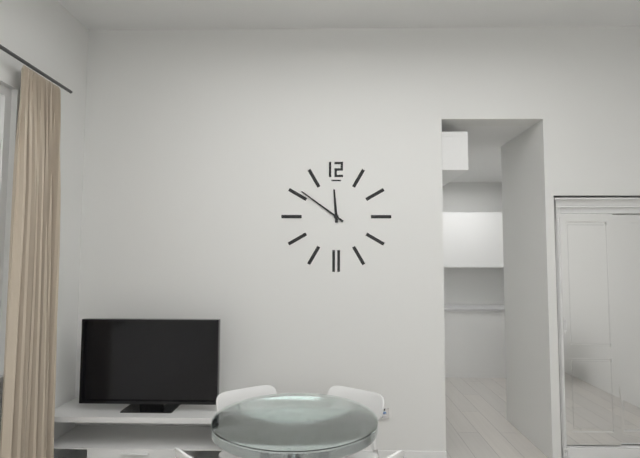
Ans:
11h51
